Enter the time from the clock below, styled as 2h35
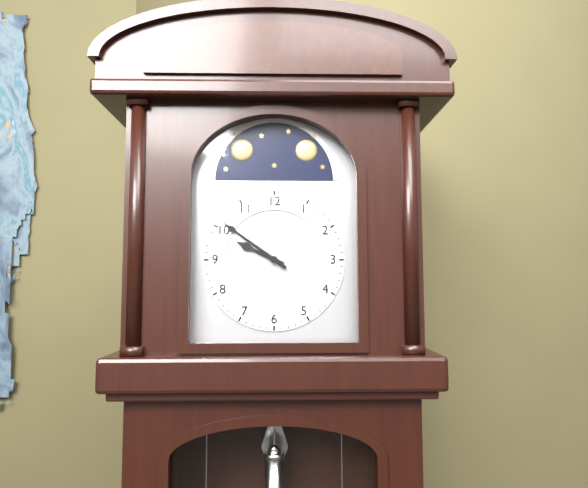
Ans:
9h51
